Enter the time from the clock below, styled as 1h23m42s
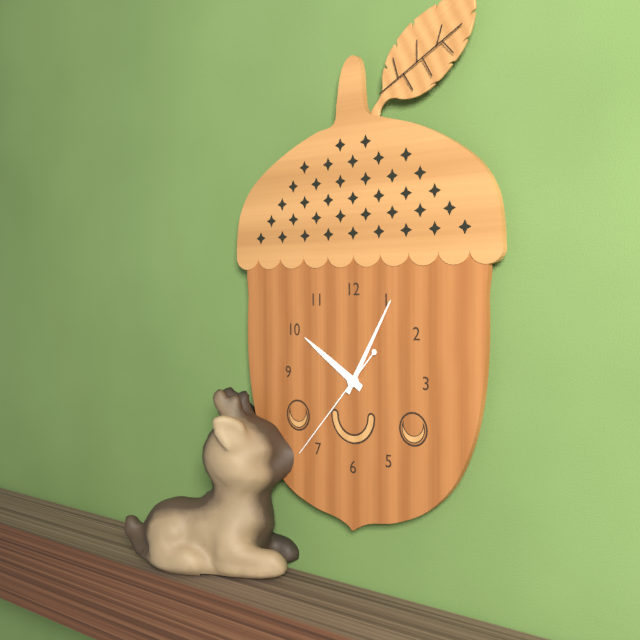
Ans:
10h05m37s
